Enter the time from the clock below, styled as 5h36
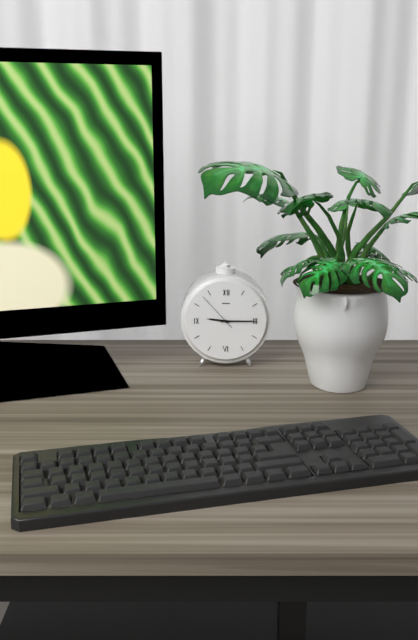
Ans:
9h15
